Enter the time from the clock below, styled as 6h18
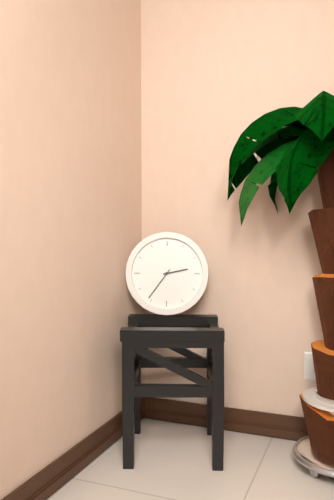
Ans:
2h36
